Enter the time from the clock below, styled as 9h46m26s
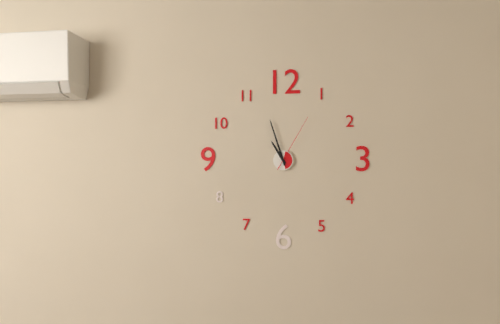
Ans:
10h57m05s
